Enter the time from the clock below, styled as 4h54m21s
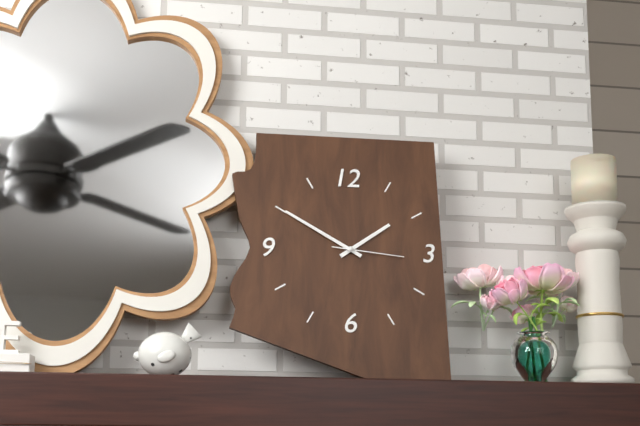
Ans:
1h50m16s
